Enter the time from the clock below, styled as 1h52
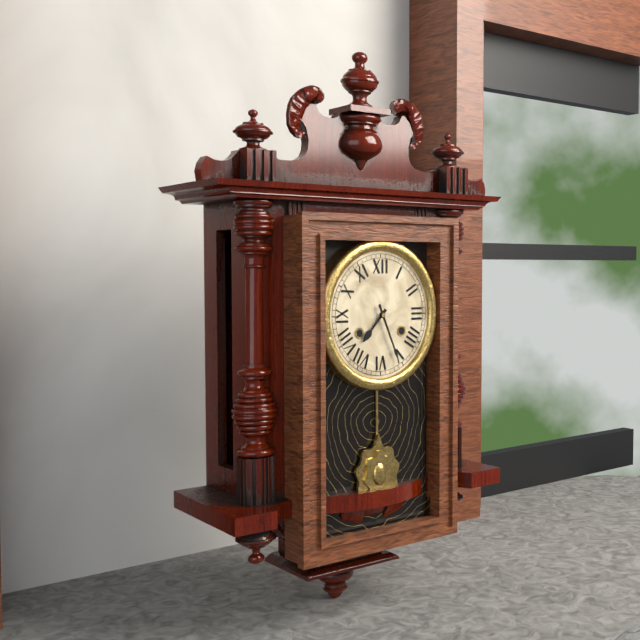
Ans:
7h26
